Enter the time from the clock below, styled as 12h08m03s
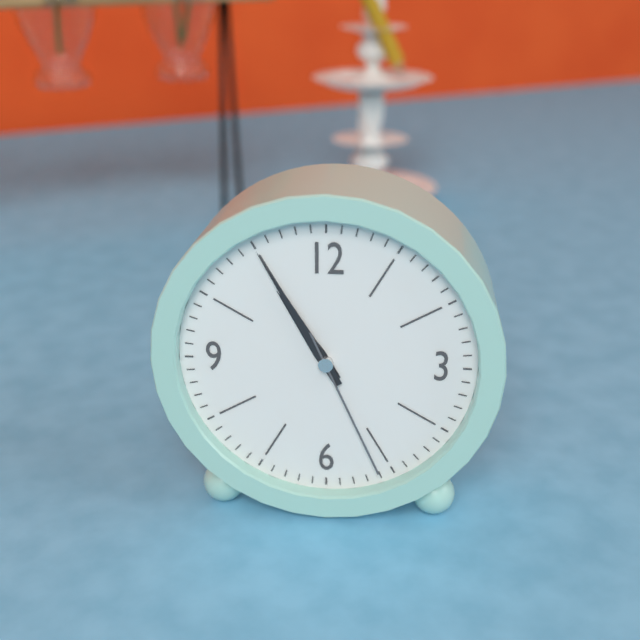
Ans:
10h55m26s
